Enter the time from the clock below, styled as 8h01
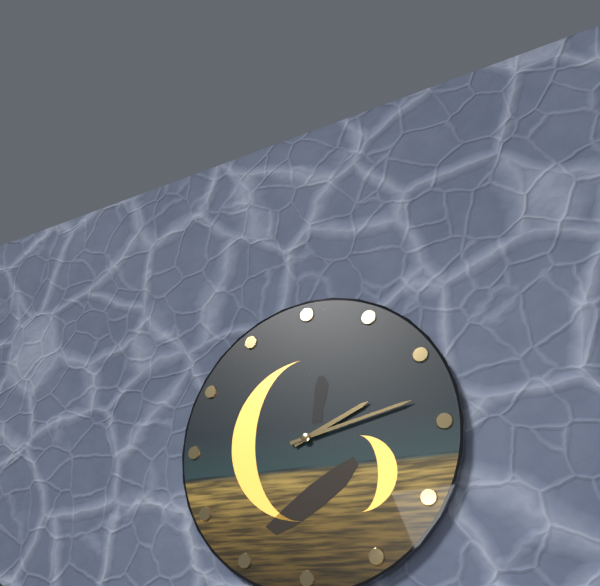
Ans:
2h13
